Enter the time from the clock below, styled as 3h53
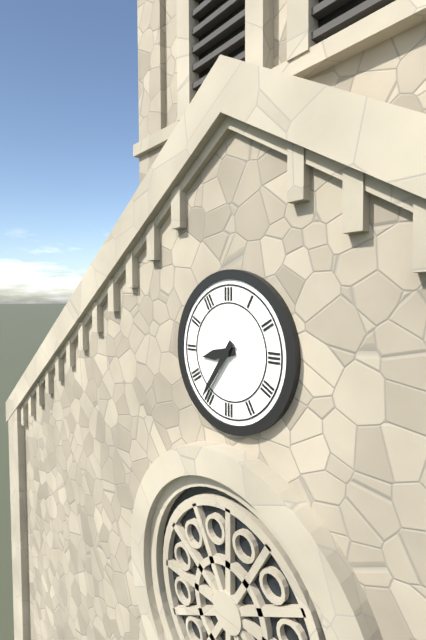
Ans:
8h36
